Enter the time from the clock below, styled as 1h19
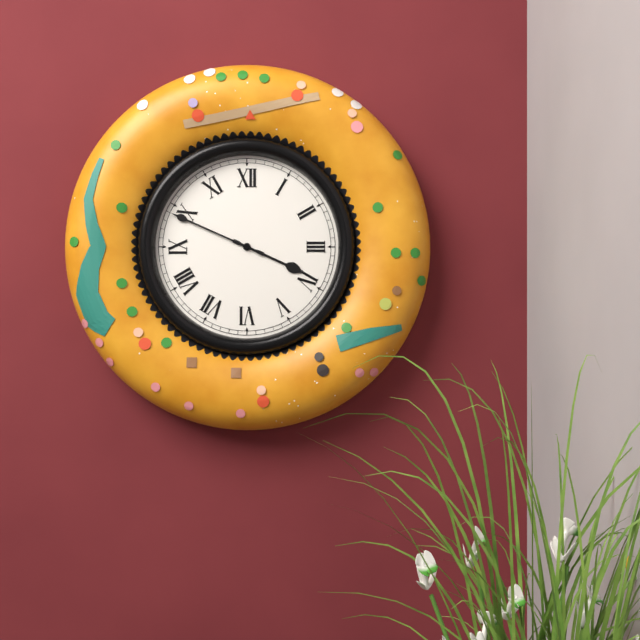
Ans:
3h49
